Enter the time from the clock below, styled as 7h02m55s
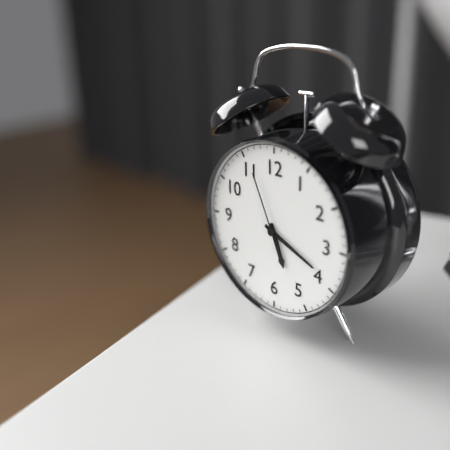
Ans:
5h19m56s
